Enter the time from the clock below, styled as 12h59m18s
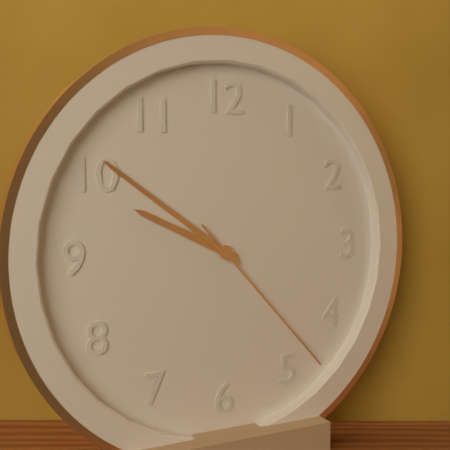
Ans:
9h51m23s
